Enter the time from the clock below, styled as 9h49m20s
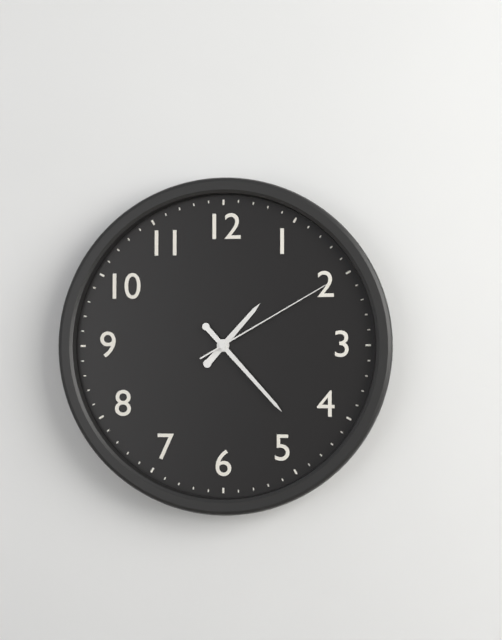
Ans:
1h23m10s
